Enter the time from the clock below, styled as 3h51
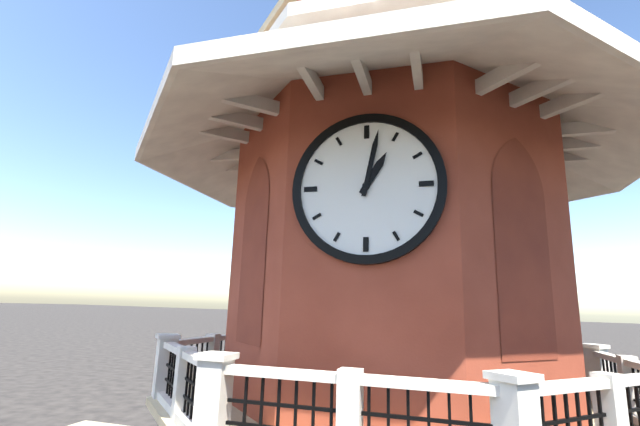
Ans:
1h02
